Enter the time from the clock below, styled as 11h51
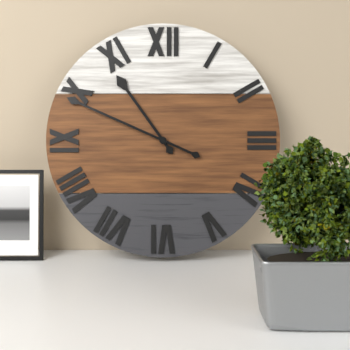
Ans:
10h49
